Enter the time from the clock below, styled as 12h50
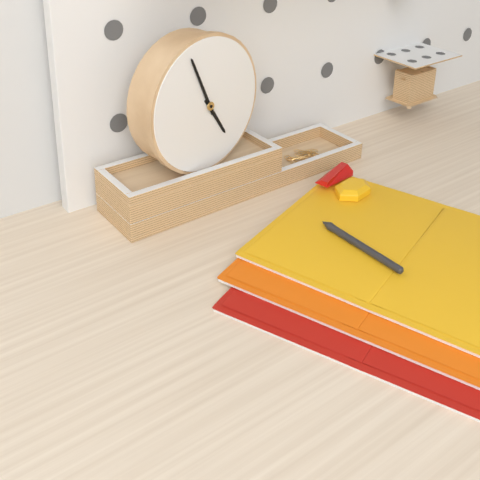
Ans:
4h56
